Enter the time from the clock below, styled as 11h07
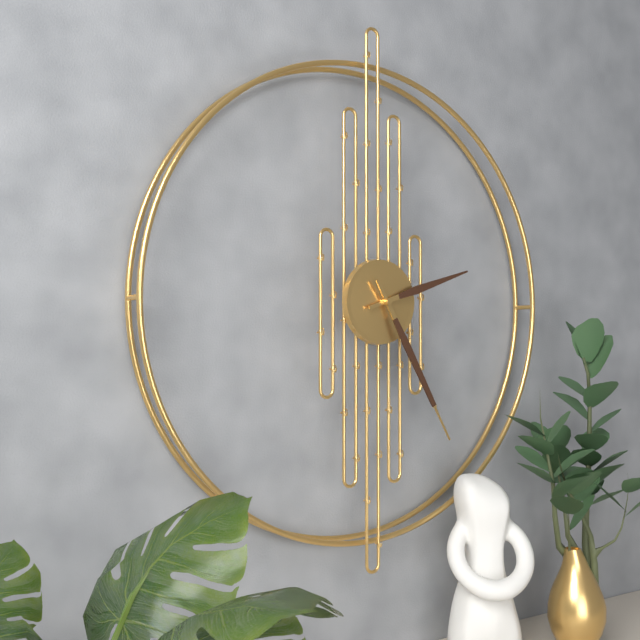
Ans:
2h25
